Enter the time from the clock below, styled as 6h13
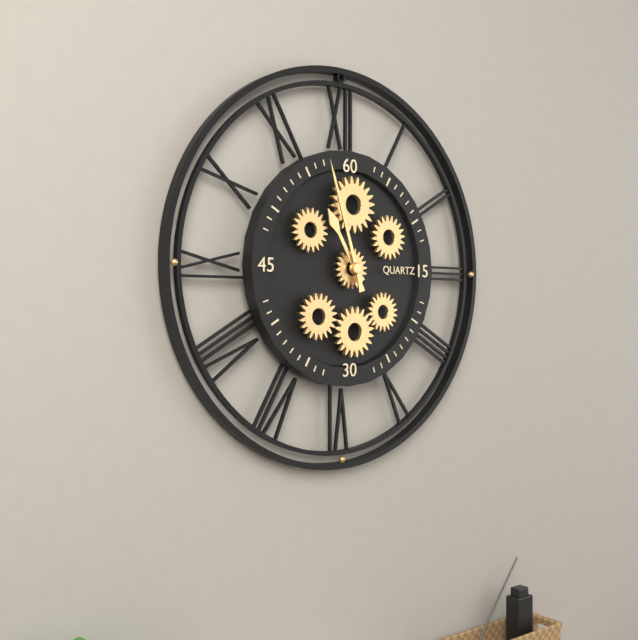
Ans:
10h57
